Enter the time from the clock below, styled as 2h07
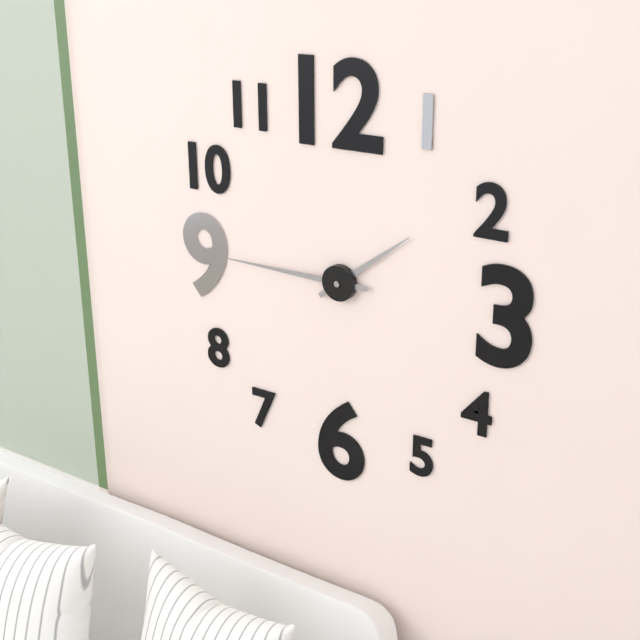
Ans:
1h45
